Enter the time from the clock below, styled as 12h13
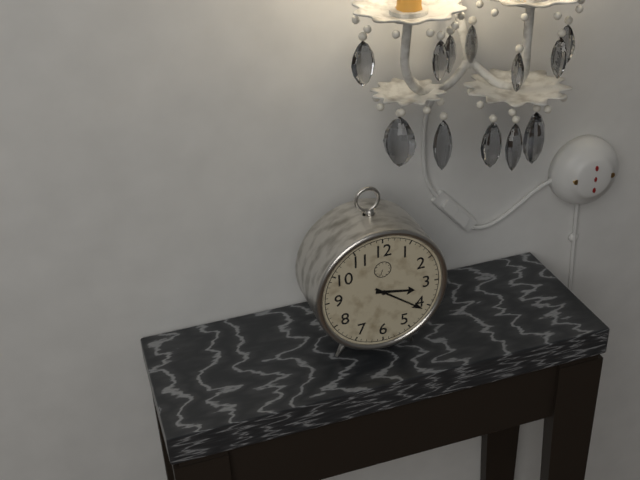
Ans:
3h21
